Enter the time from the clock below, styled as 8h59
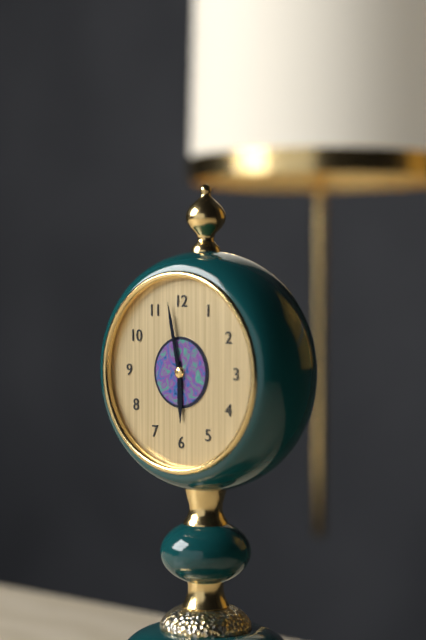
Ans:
5h58
